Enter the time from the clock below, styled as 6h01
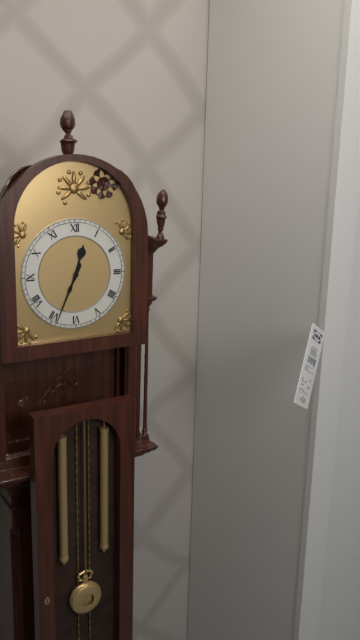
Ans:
12h34
